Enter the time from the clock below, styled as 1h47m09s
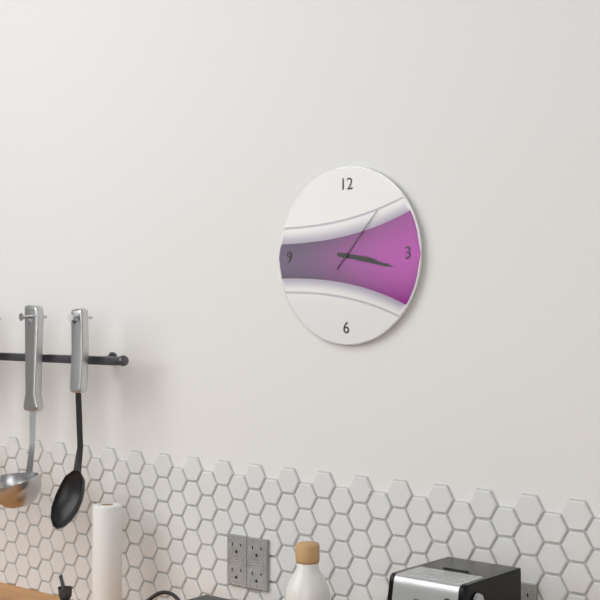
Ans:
3h17m07s
